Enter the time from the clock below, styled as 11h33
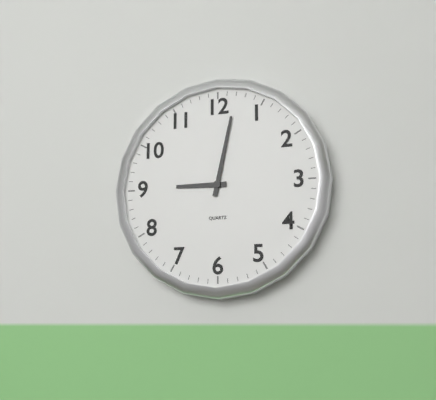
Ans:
9h02
